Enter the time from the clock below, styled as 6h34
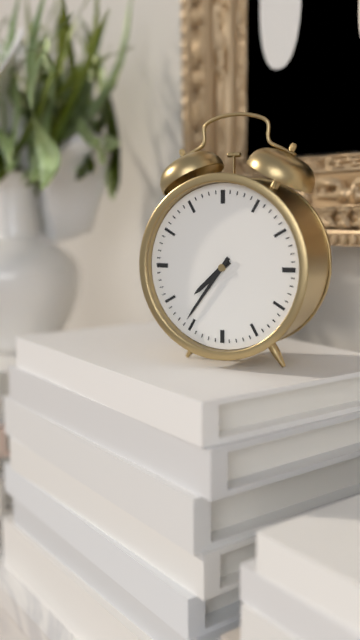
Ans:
7h36
